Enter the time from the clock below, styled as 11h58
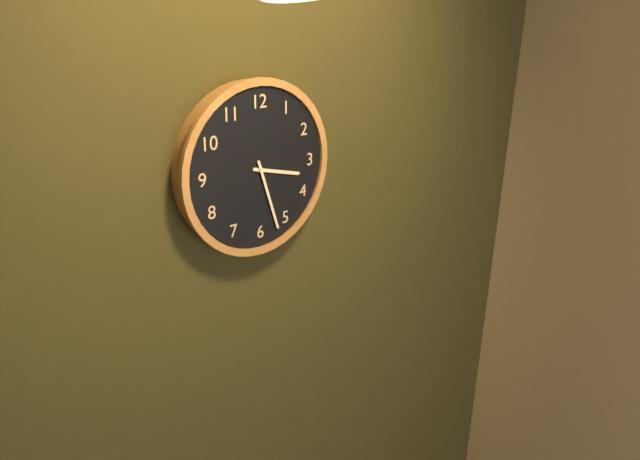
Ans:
3h27
